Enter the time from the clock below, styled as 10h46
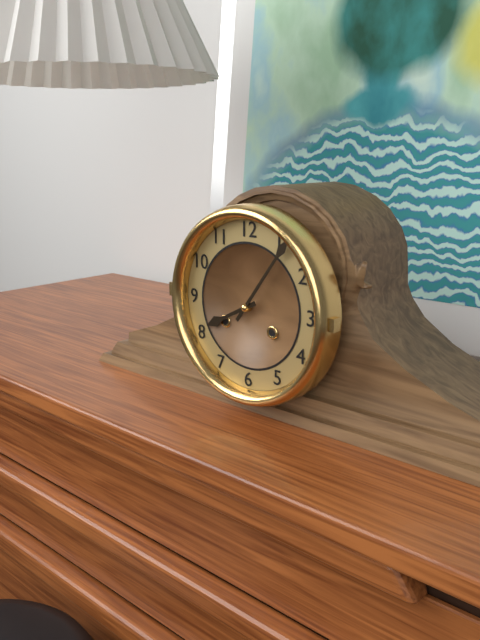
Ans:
8h06
